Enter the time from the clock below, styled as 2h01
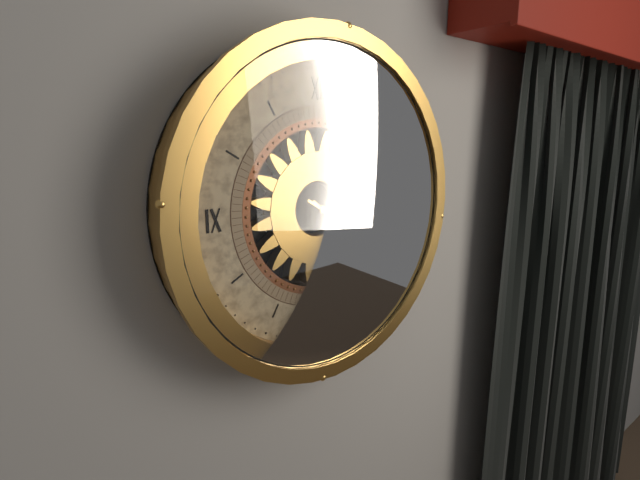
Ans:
4h20
